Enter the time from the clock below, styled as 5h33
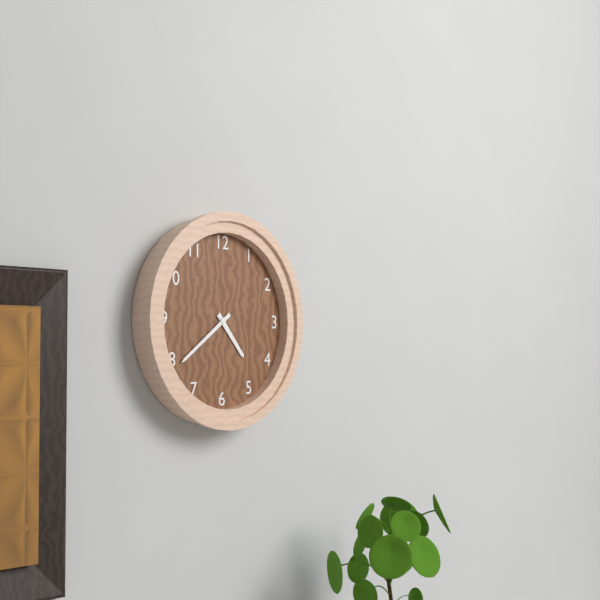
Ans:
4h39
